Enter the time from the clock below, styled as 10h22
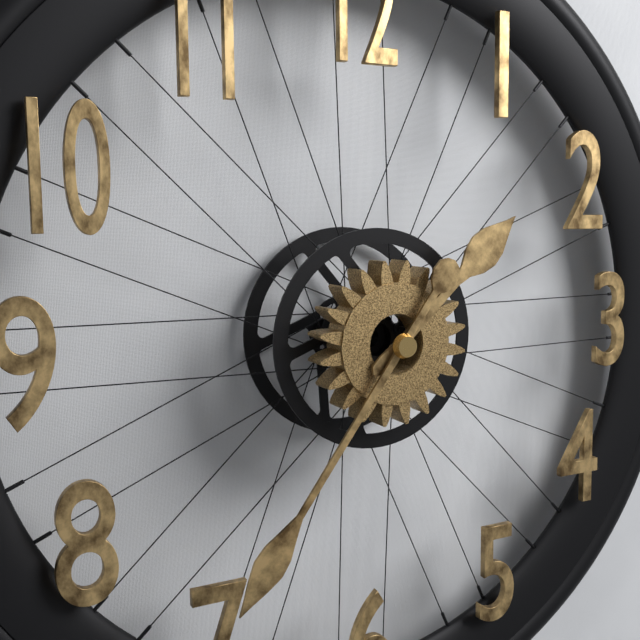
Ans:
1h36
